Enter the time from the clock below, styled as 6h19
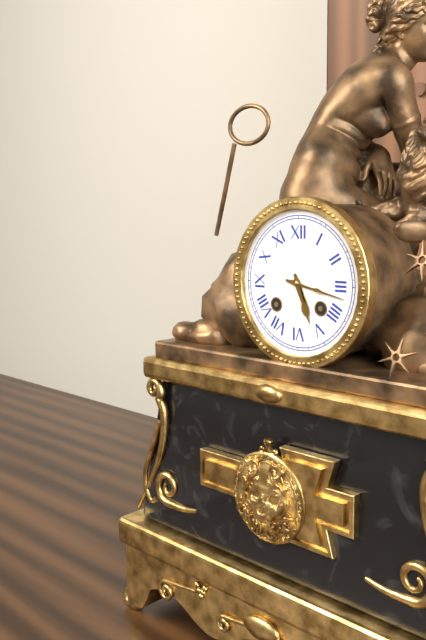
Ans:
5h17
